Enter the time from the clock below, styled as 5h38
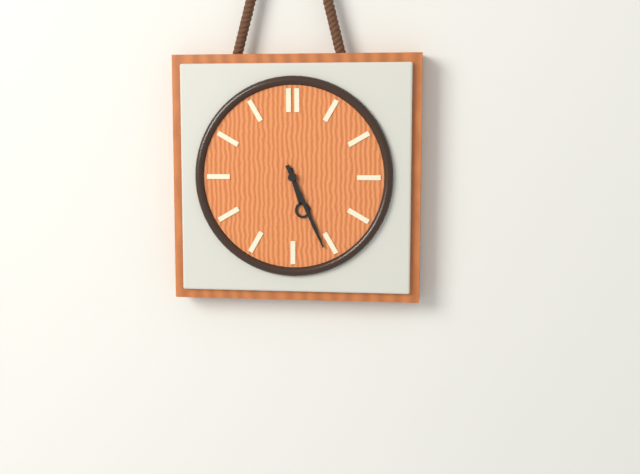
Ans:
5h26
